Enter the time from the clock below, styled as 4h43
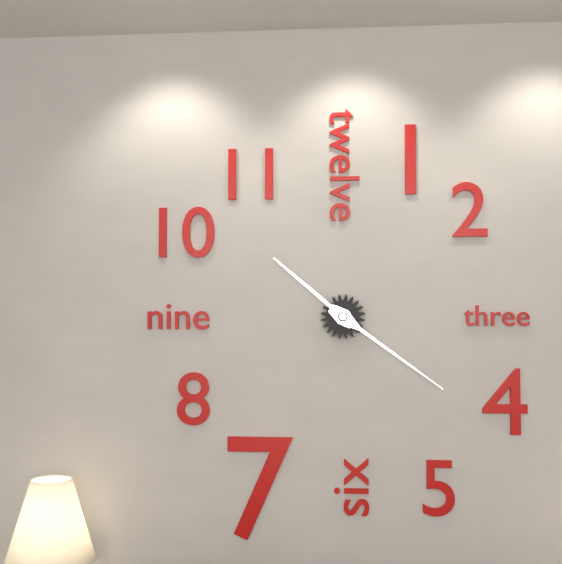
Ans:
10h21
